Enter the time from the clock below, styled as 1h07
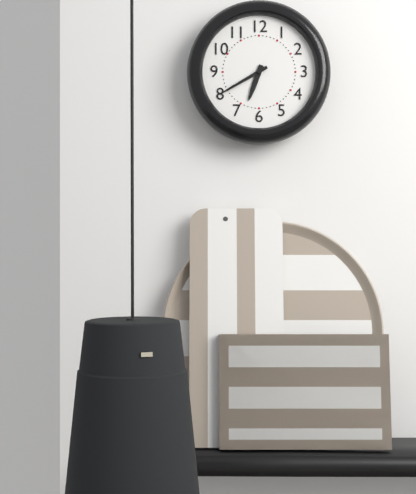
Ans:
6h40
